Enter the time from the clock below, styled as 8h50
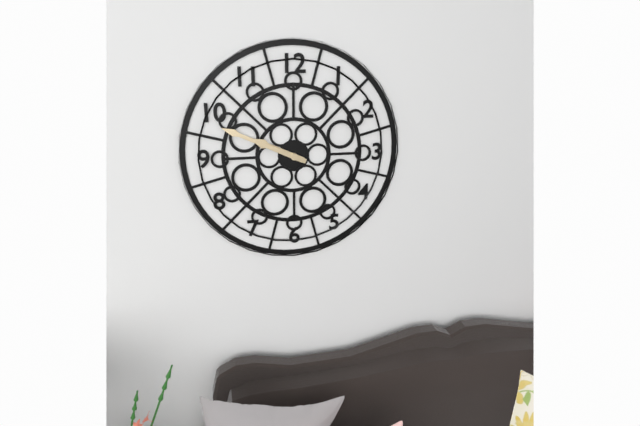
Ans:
9h49
